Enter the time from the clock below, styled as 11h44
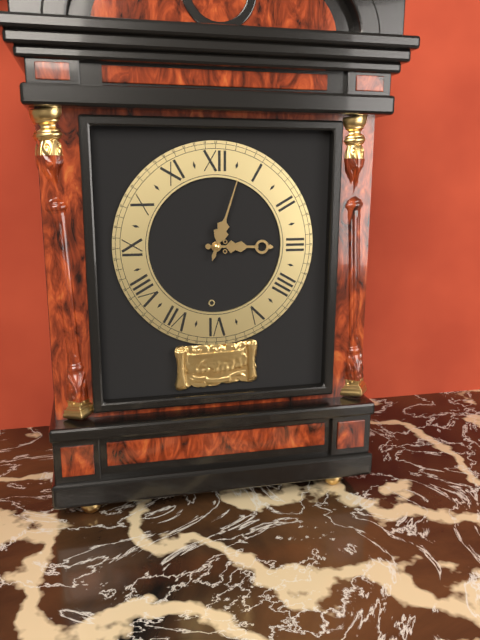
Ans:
3h03
